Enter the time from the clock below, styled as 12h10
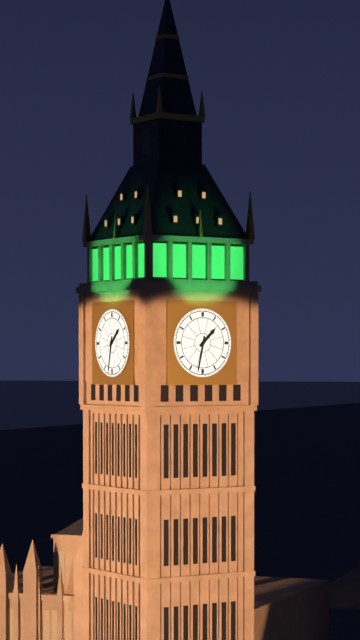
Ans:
1h32
